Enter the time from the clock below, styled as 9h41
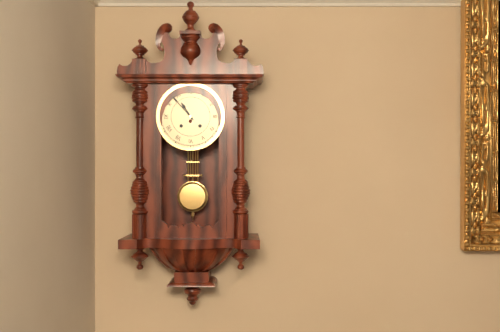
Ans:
10h53
